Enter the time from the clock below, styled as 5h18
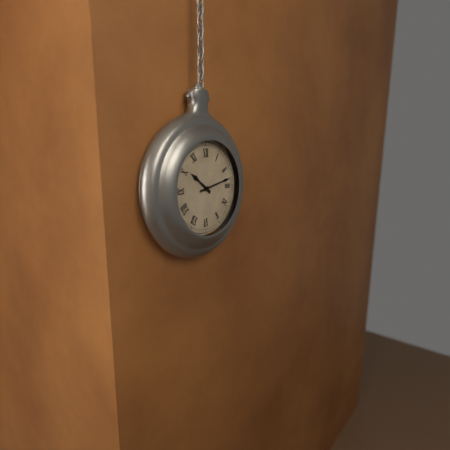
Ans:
10h13
